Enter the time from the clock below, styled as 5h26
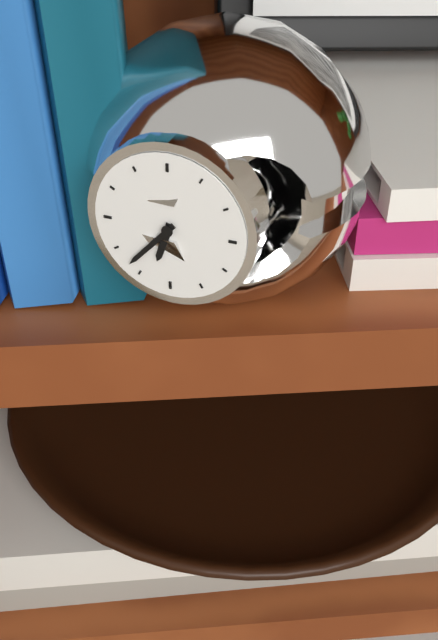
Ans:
6h37
